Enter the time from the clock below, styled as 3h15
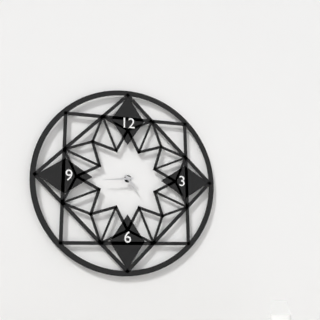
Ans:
4h44
